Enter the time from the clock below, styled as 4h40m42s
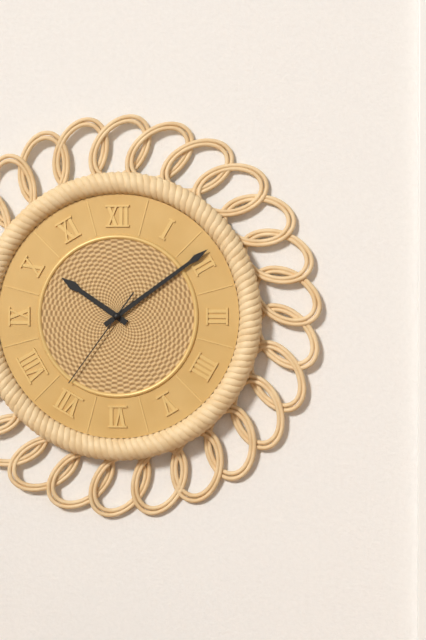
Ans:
10h09m36s
